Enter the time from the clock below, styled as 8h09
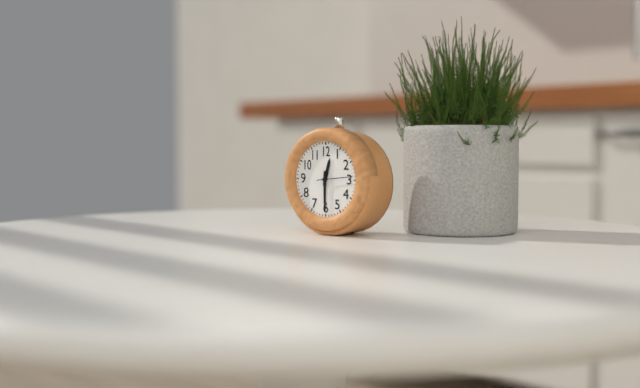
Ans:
12h30
